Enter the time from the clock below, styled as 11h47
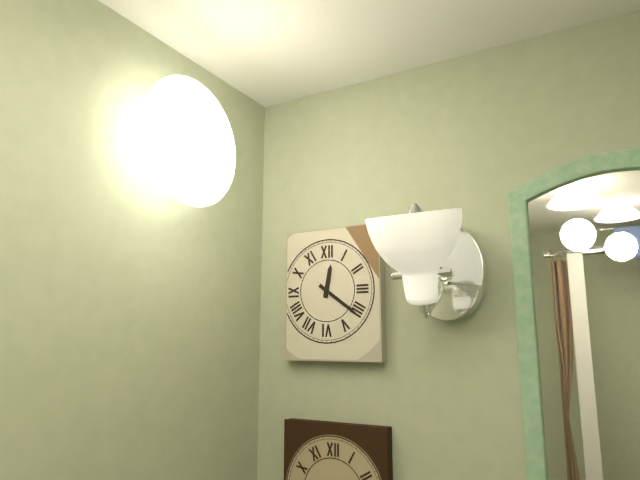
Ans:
12h21
